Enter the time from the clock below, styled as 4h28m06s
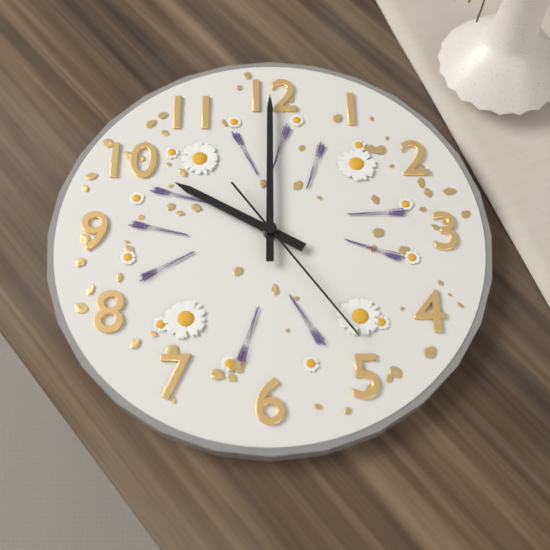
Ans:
10h00m24s
